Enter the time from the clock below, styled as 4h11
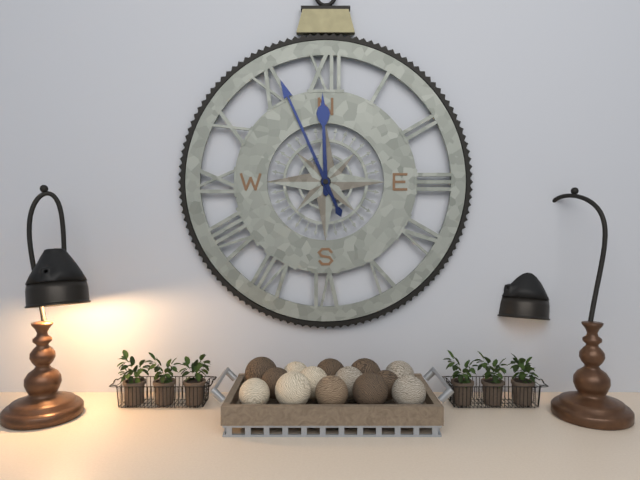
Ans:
11h56
